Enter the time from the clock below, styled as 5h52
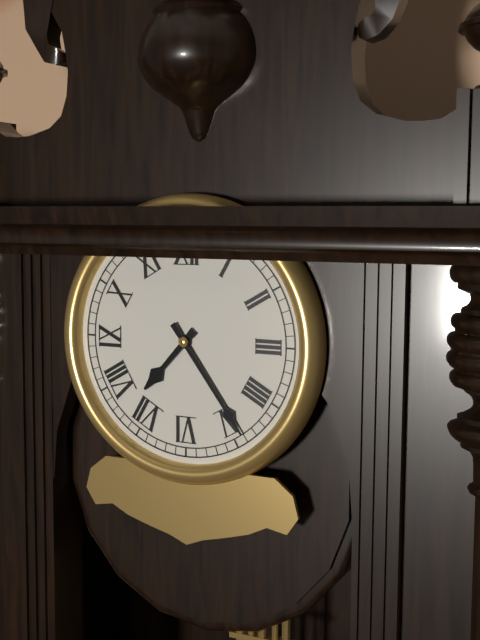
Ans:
7h24
